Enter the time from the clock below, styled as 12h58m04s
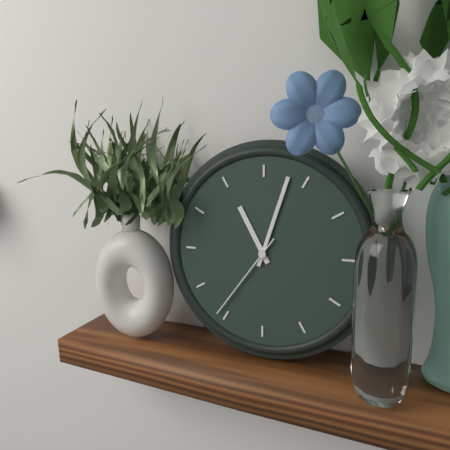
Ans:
11h03m36s
